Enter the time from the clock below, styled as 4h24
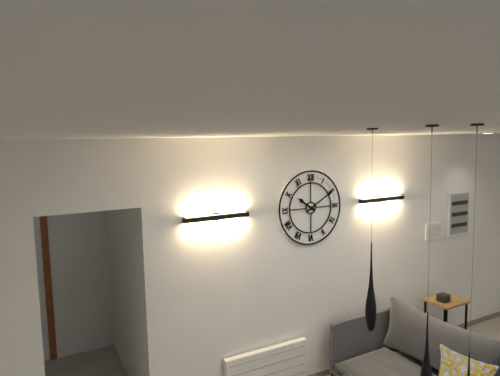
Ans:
10h10
